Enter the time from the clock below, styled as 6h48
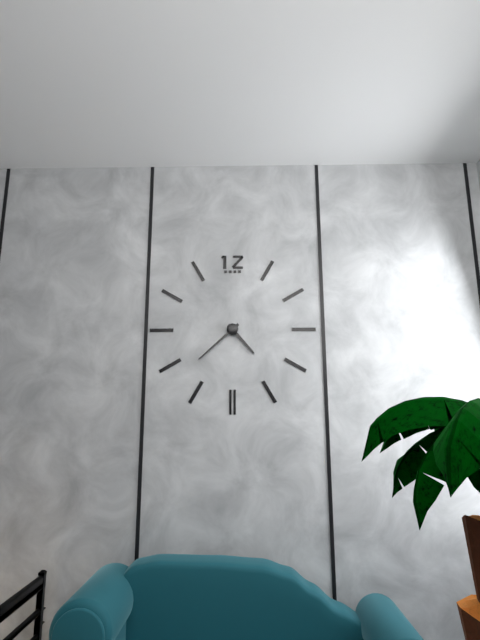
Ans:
4h38
